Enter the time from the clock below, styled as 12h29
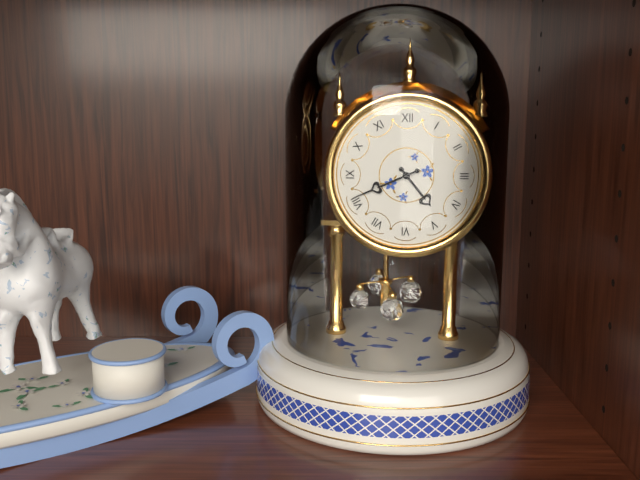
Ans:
4h41
